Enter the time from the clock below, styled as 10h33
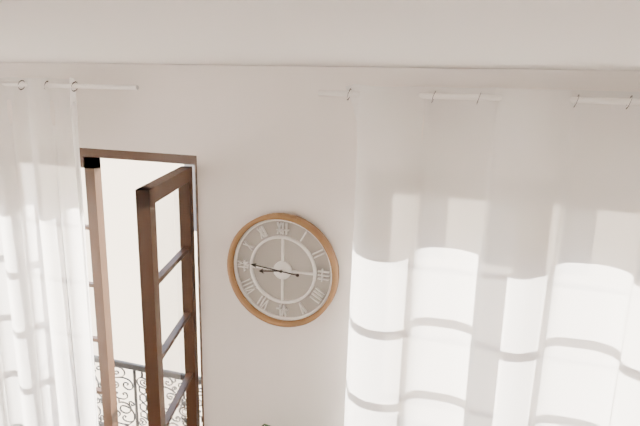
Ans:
8h46
